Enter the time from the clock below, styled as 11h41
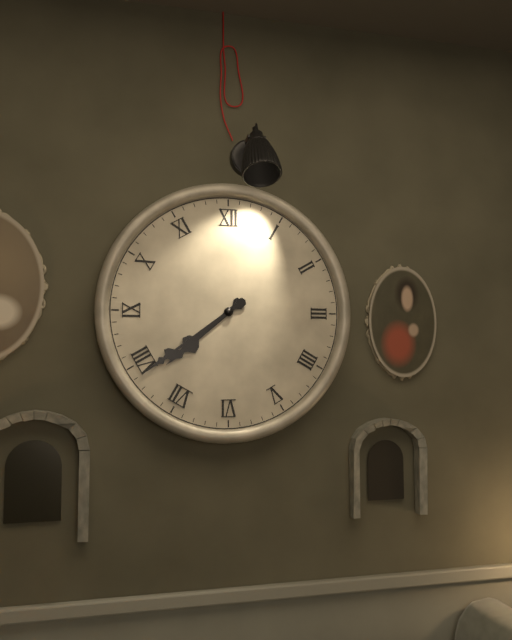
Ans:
7h39
